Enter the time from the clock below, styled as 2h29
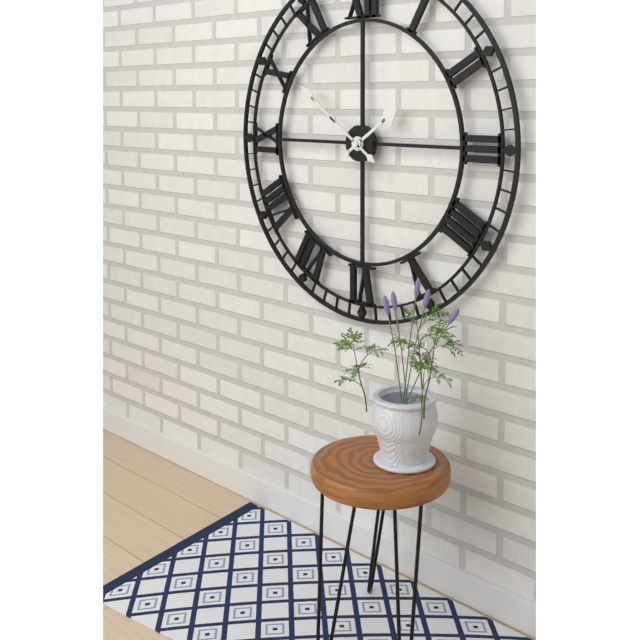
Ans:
1h51
